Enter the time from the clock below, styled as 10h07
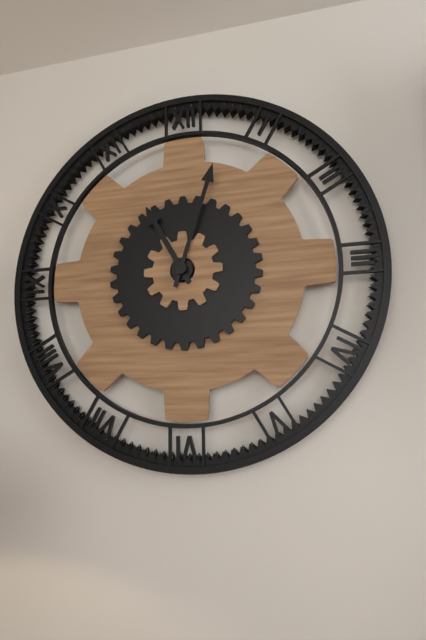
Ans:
11h03
